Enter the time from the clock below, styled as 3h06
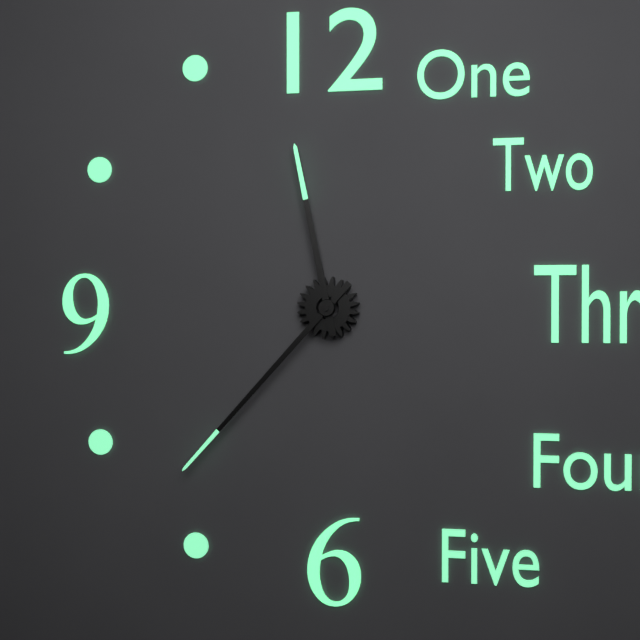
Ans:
11h37
